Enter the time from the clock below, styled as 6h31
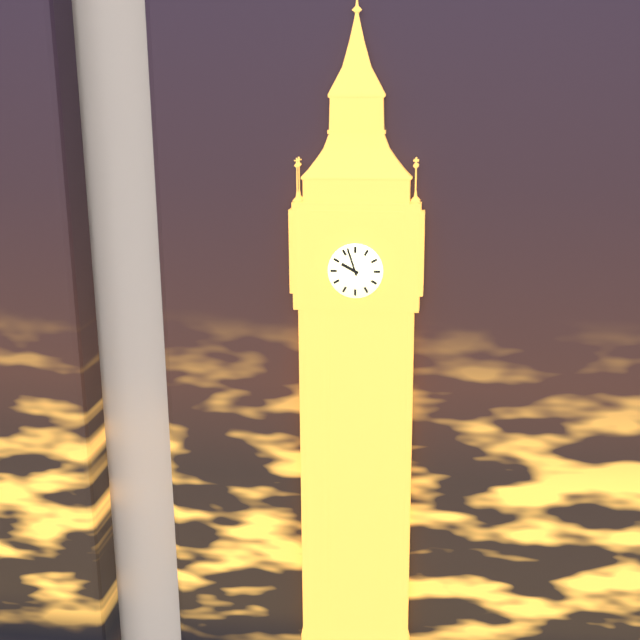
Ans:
9h57
